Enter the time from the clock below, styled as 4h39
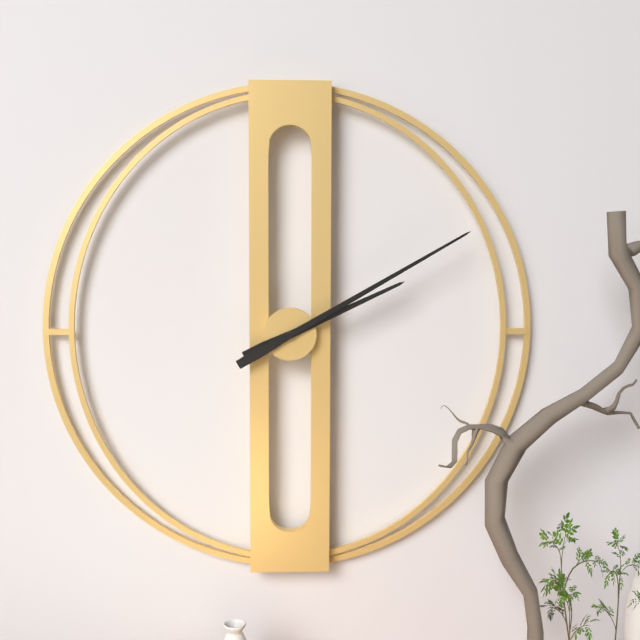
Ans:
2h10
